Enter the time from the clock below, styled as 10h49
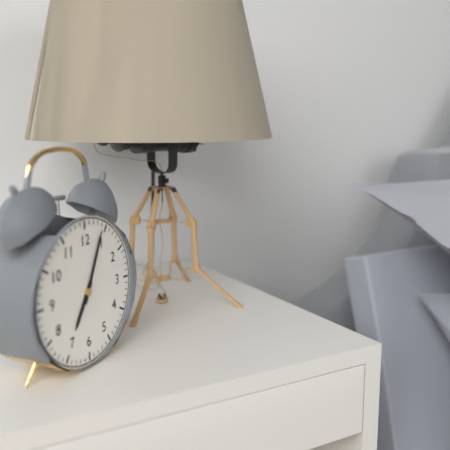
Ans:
7h04
